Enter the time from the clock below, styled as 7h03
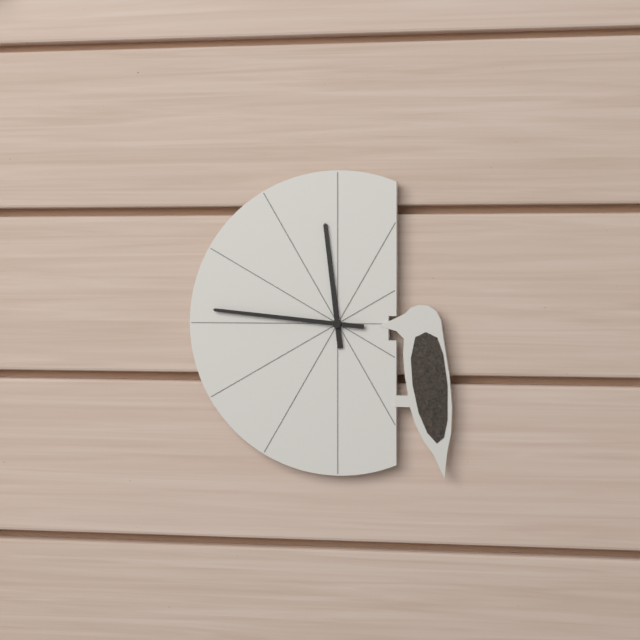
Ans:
11h46
